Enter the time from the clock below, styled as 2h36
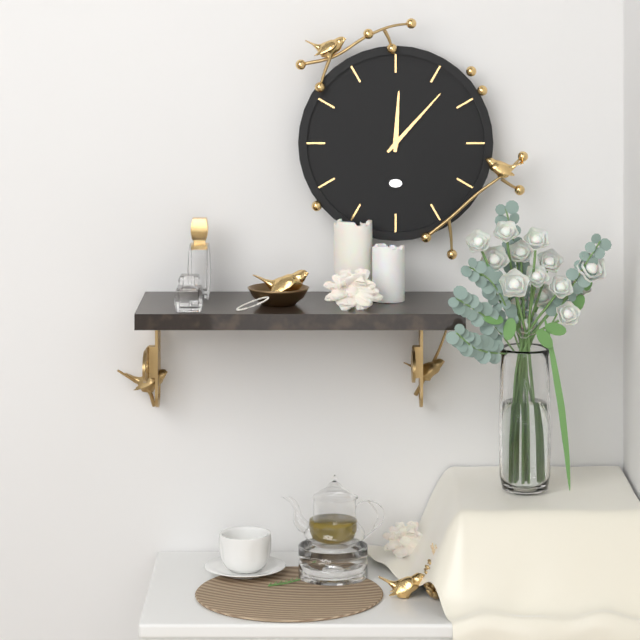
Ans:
12h07
